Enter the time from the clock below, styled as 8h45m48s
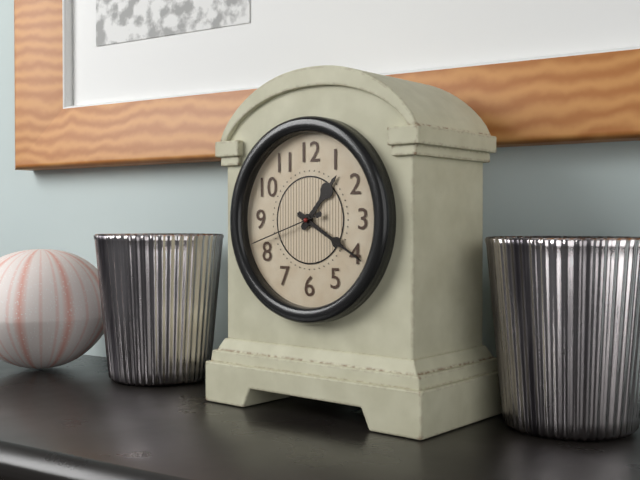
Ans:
1h20m42s
